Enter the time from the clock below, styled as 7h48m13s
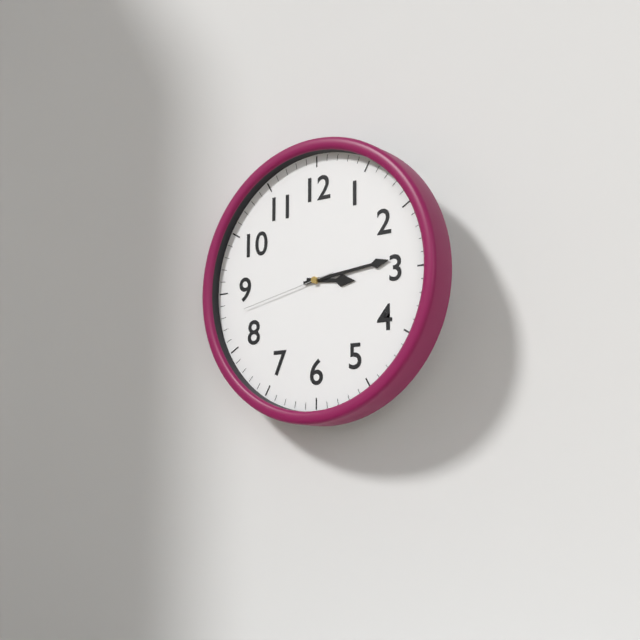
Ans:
3h14m43s
